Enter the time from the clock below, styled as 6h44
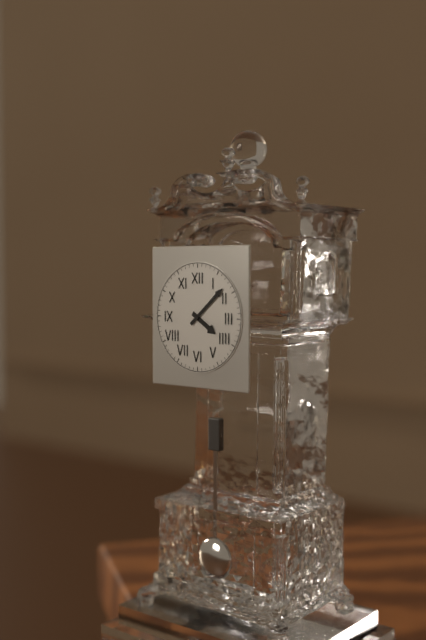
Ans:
4h08
